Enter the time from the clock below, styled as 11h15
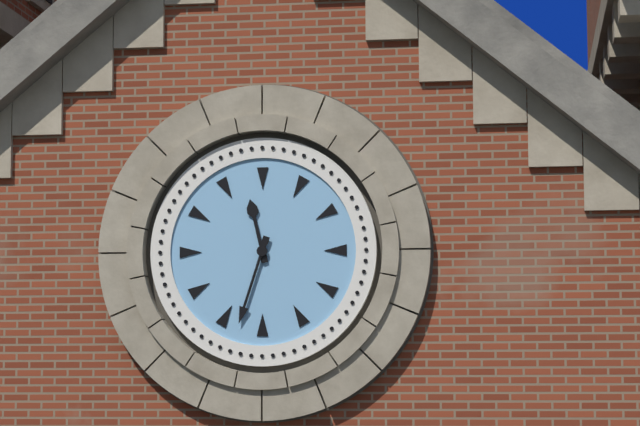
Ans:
11h33
